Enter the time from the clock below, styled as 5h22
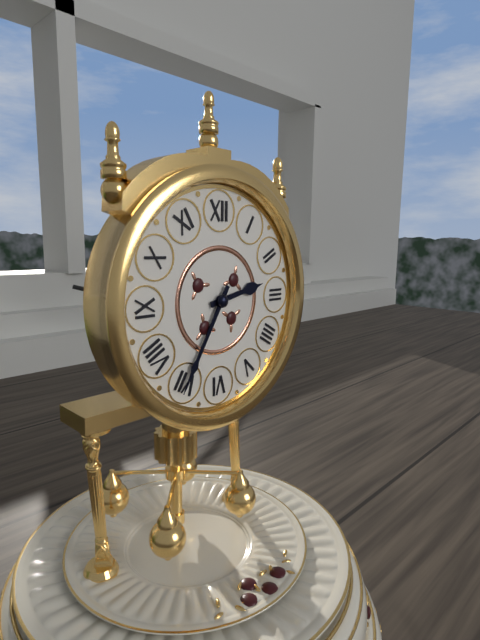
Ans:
2h35
